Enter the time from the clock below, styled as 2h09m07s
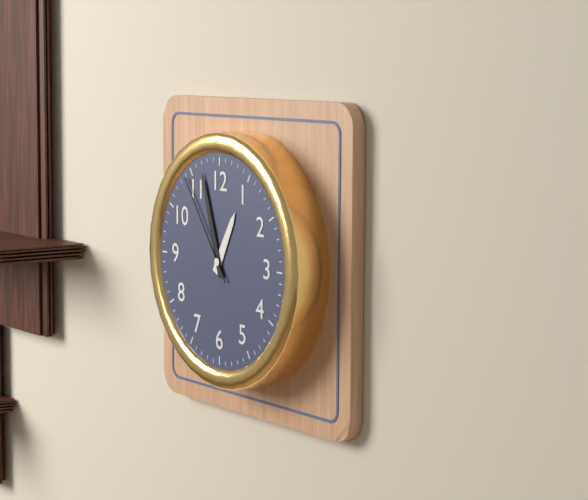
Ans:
12h57m54s
